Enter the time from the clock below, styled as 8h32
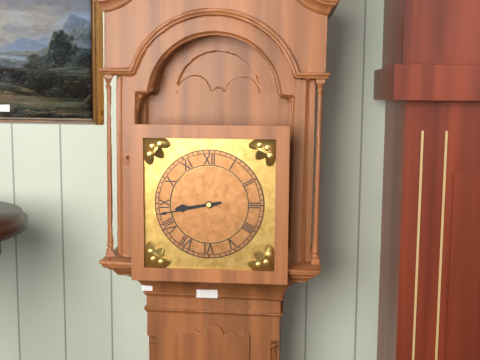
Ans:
8h43
